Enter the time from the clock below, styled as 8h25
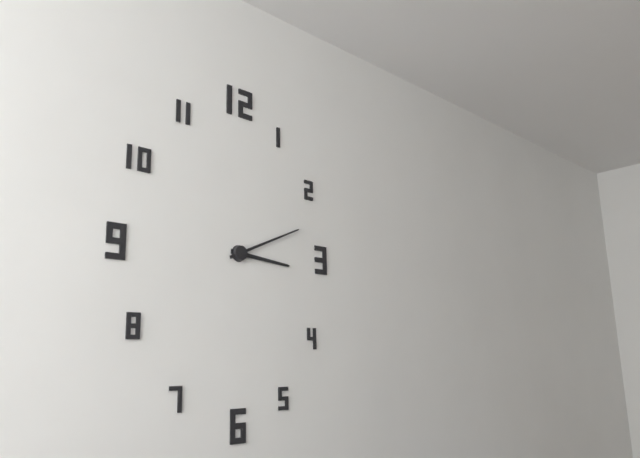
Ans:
3h11
